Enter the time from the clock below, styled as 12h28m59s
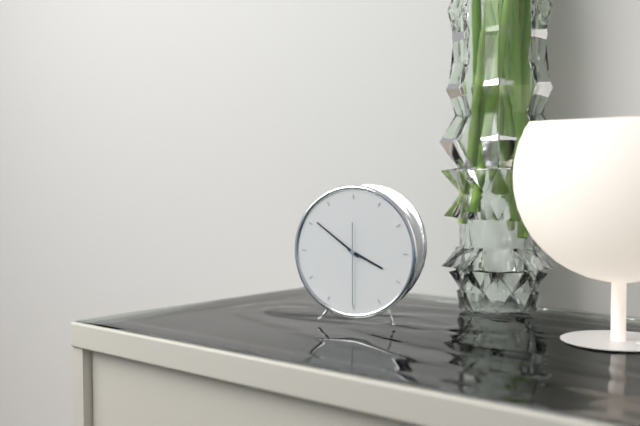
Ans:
3h51m30s
